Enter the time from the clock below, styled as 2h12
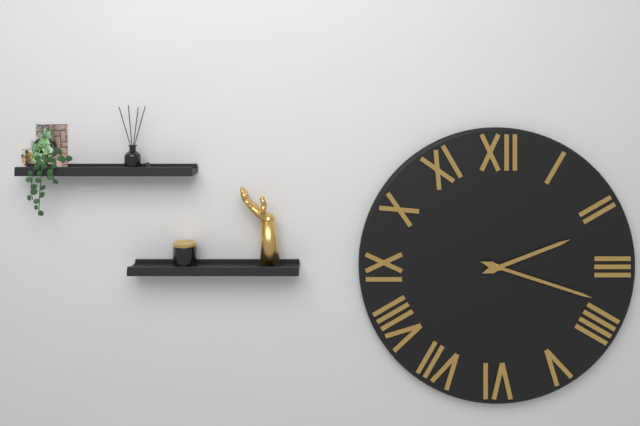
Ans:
2h18
